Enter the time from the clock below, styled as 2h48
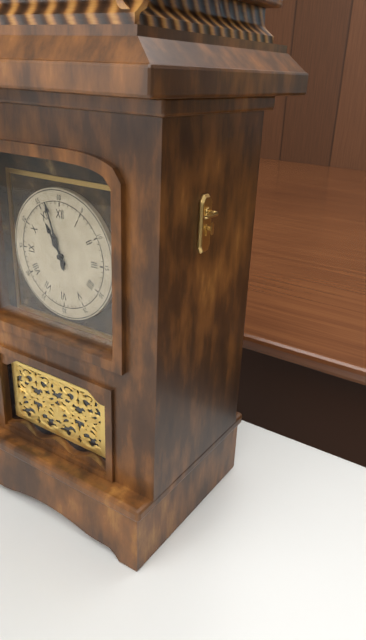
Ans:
10h57
